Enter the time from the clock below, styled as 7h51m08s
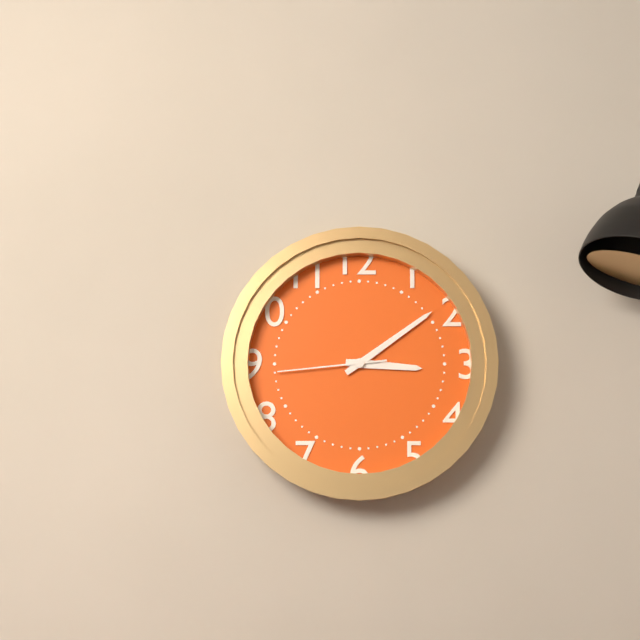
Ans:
3h09m44s
